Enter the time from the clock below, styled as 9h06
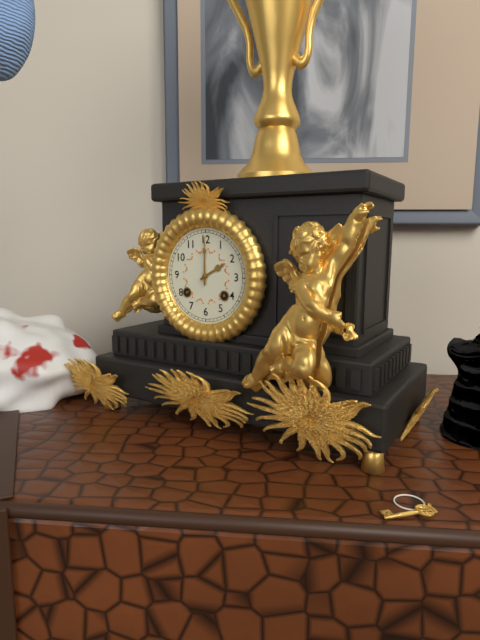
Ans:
2h00
